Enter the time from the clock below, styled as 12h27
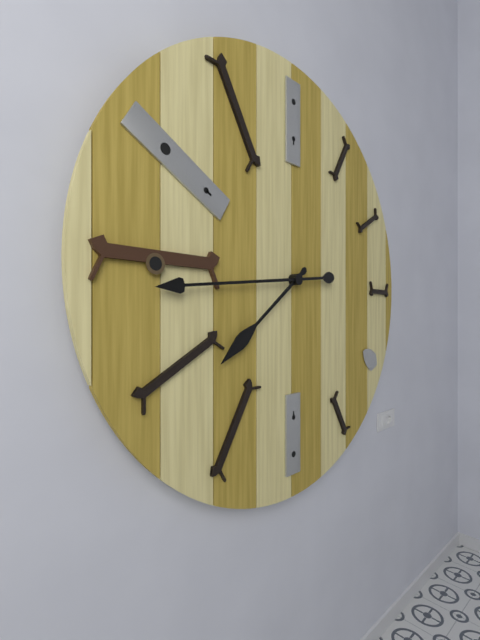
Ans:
7h44
